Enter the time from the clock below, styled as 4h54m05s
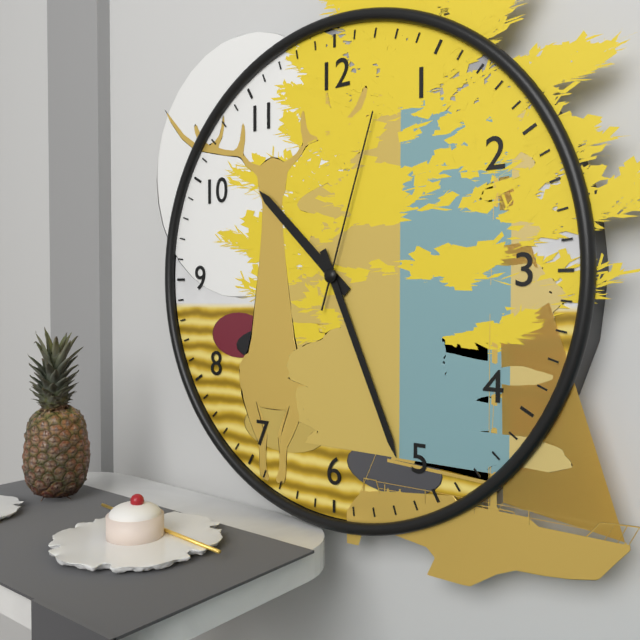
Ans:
10h26m03s
